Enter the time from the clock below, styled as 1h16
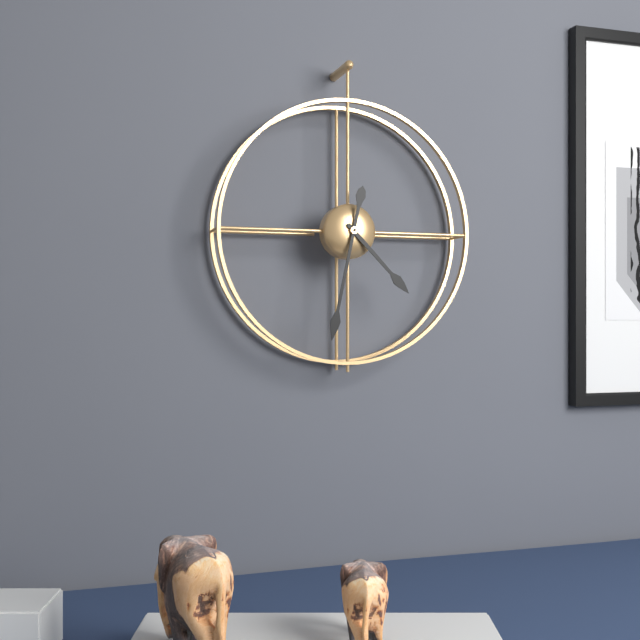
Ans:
4h32
